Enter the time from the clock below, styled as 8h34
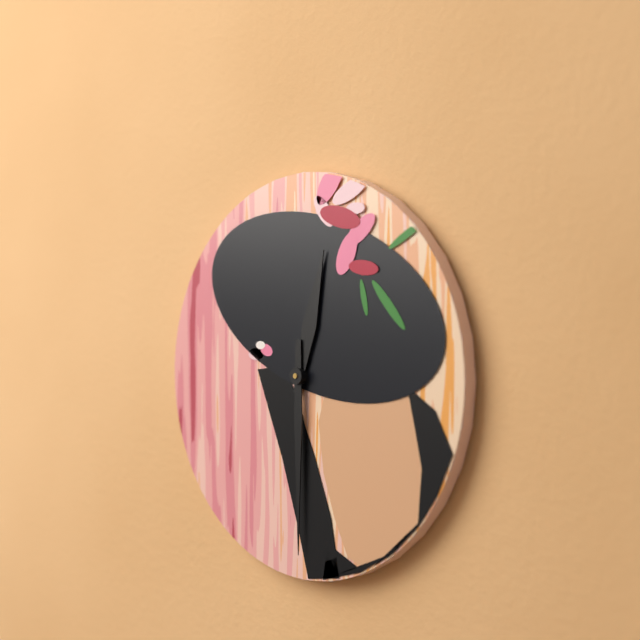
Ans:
12h30
